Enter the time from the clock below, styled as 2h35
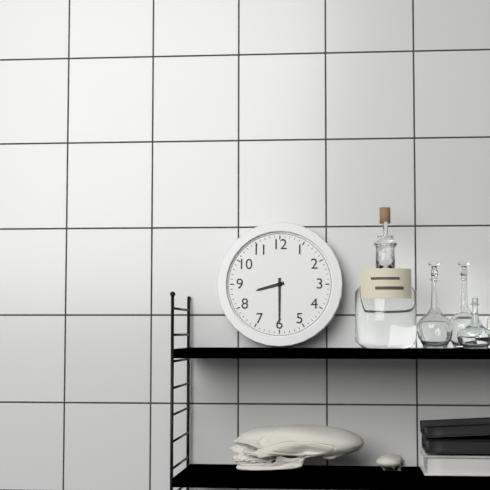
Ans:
8h30
